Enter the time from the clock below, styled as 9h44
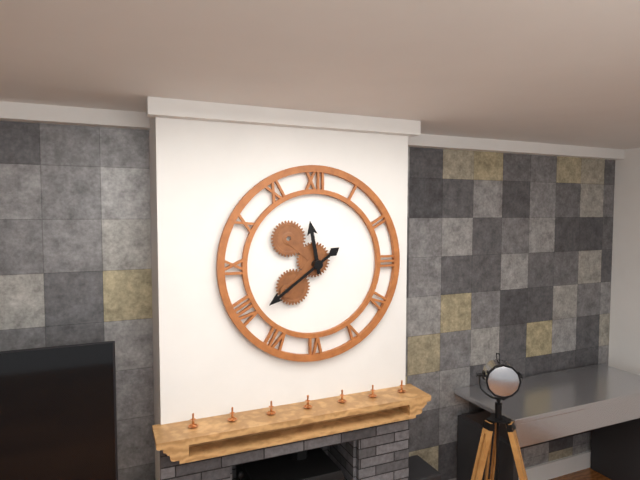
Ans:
11h39
